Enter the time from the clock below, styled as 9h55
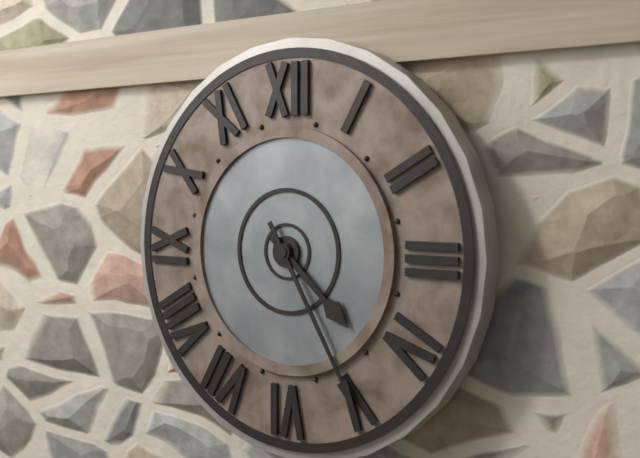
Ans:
4h25
